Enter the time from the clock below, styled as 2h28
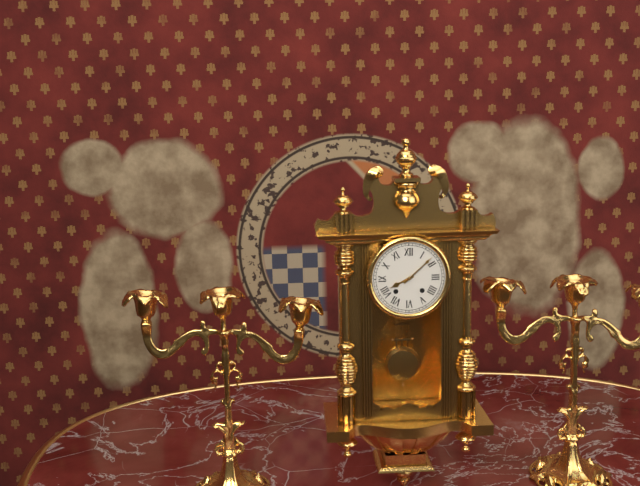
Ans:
8h08
